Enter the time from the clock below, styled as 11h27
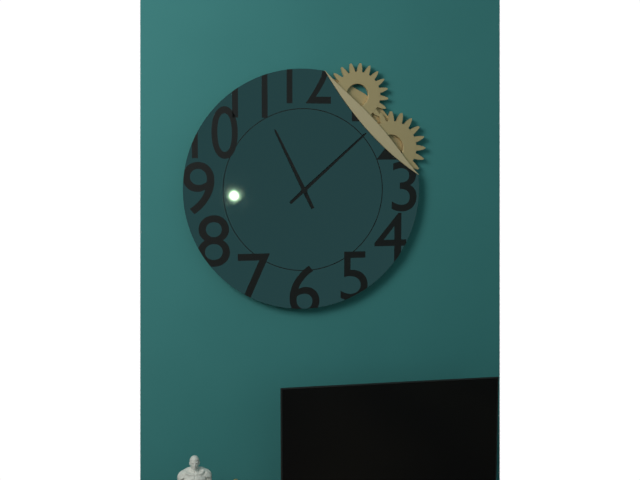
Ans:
11h08
